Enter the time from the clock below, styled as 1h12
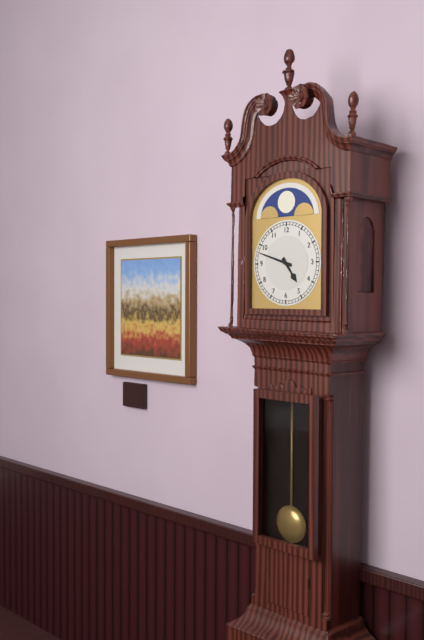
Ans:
4h48
